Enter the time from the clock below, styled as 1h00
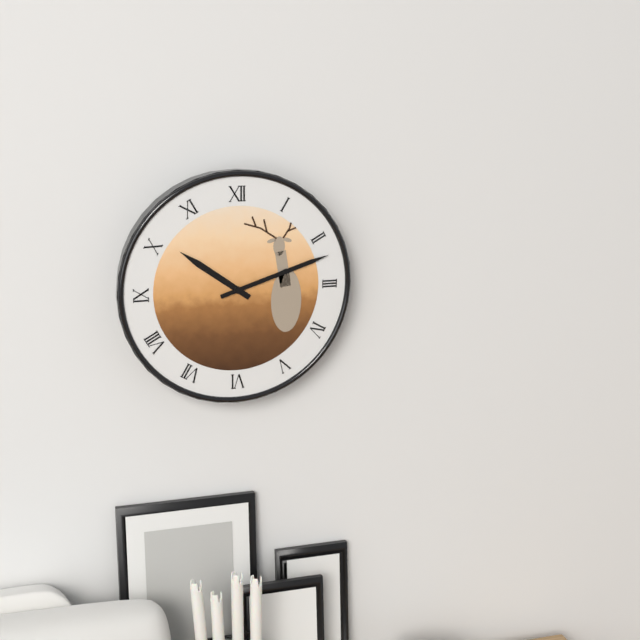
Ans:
10h12
